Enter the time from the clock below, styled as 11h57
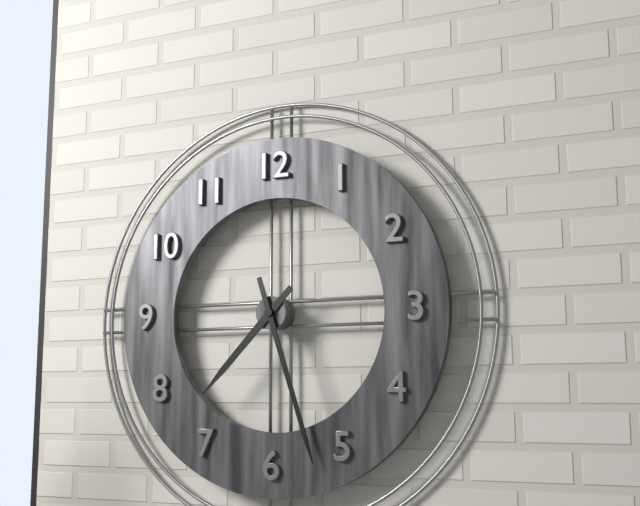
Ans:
7h27
